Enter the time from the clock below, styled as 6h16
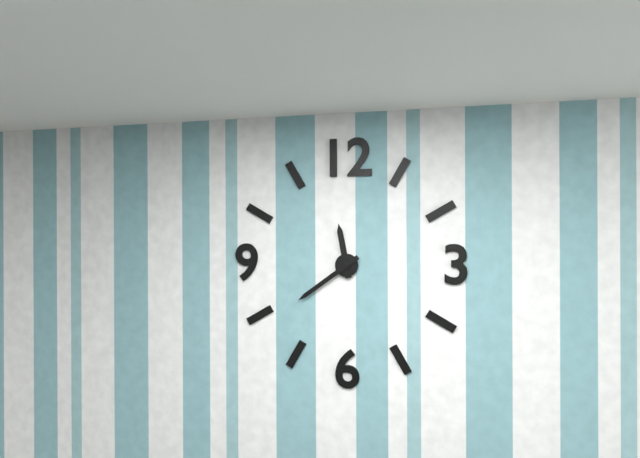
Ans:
11h39
